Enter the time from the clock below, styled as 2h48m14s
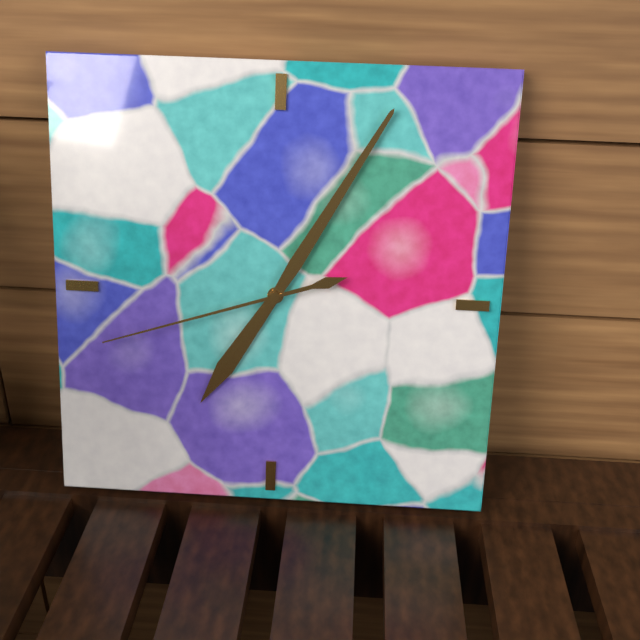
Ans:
7h05m42s
